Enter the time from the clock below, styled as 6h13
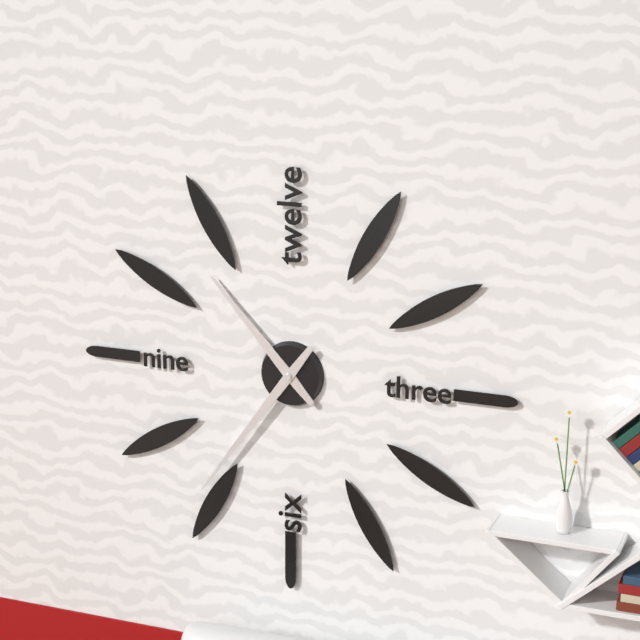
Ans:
10h36
